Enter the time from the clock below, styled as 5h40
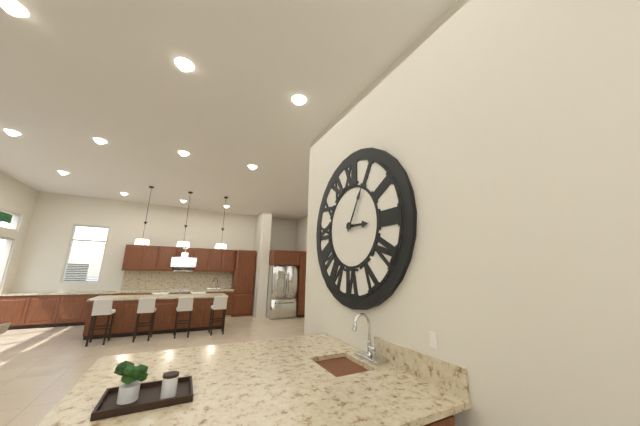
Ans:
3h05
